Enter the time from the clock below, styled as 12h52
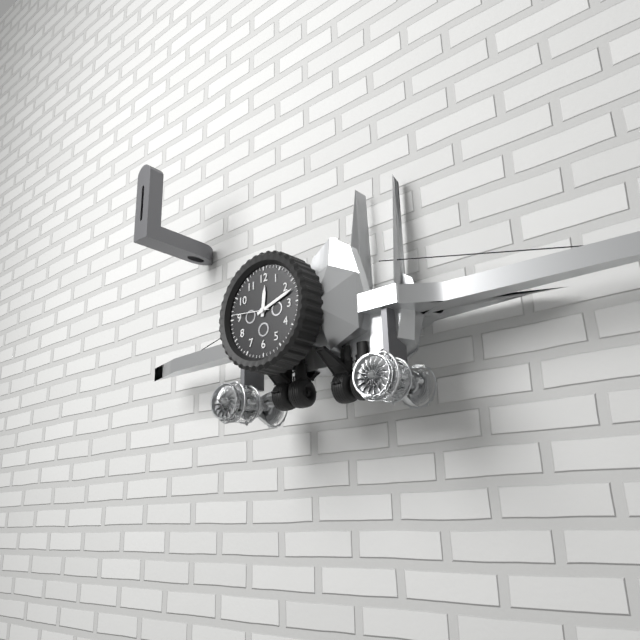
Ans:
12h12
